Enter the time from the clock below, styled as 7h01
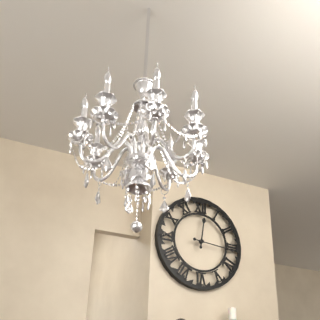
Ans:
12h16
